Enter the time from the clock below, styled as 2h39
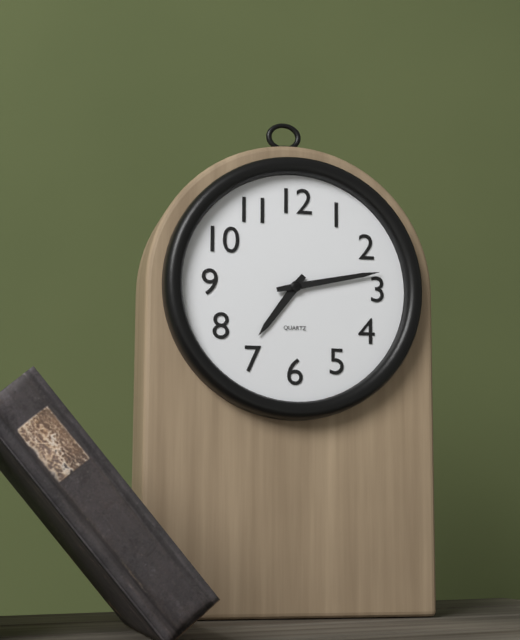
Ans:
7h13
